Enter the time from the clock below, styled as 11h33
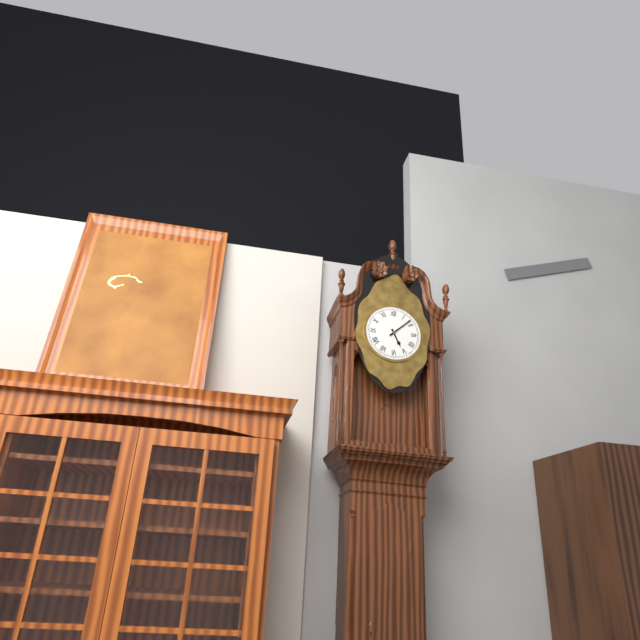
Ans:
5h08
